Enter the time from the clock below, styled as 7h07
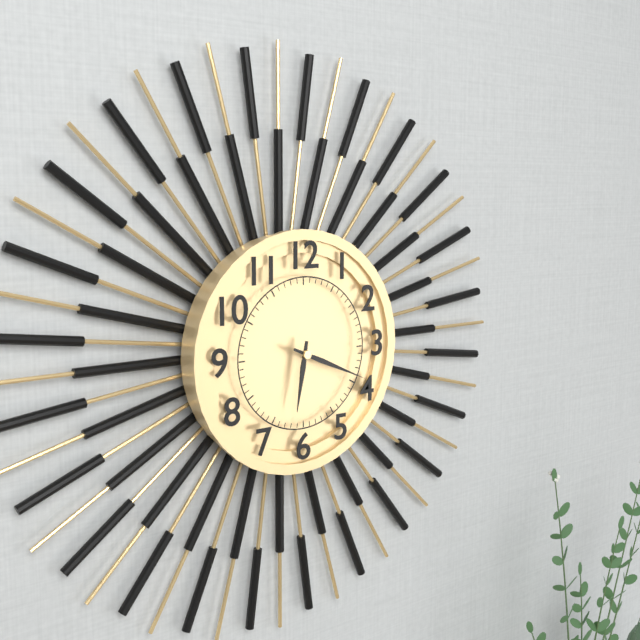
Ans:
6h19
